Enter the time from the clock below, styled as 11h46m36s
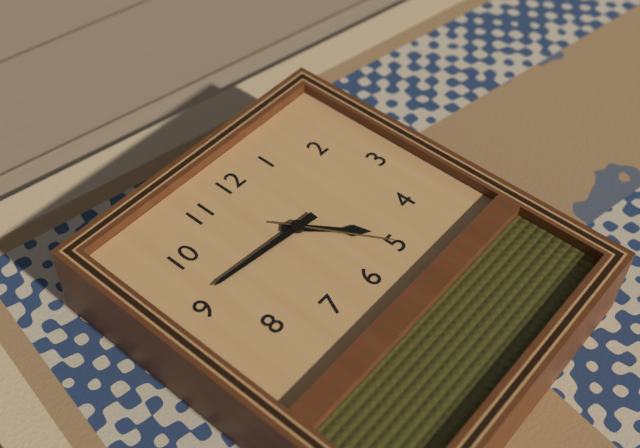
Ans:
4h46m25s
